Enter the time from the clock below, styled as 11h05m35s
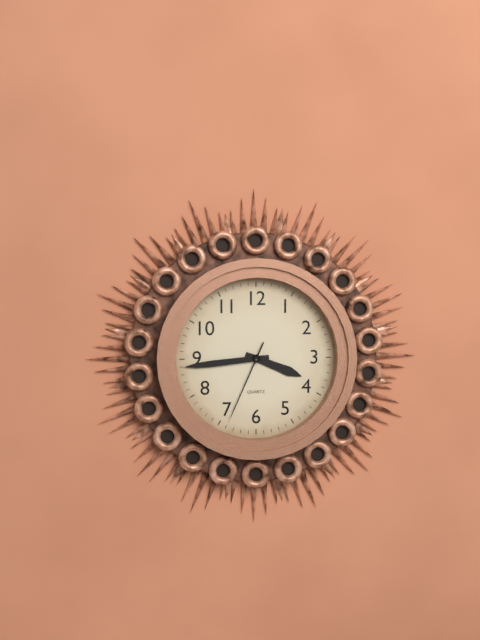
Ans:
3h44m34s
